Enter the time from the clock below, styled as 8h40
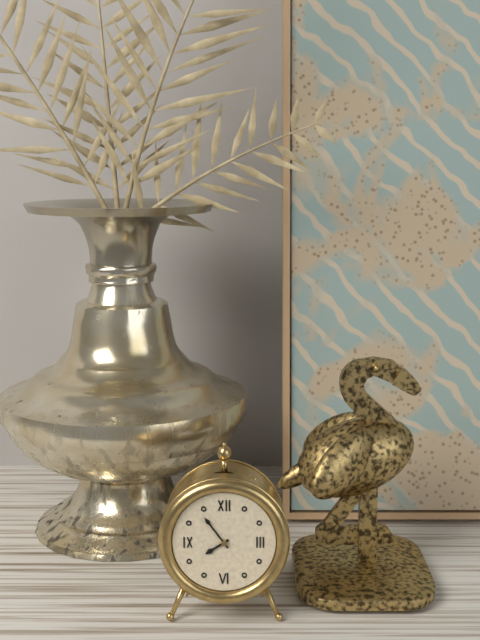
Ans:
7h54
